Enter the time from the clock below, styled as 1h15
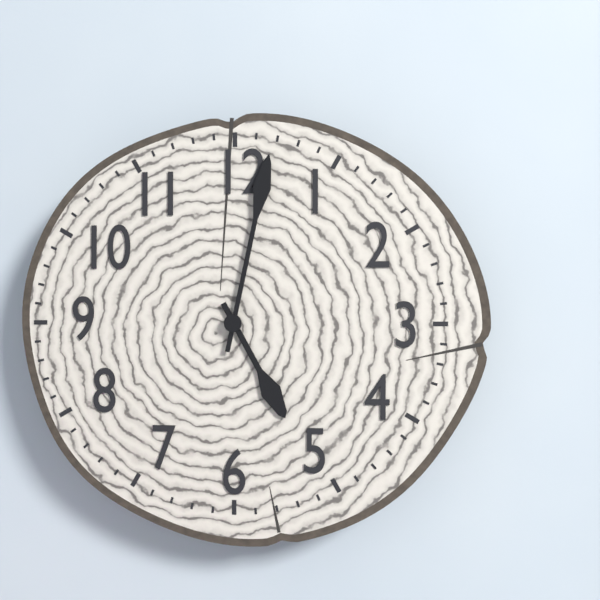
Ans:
5h02
